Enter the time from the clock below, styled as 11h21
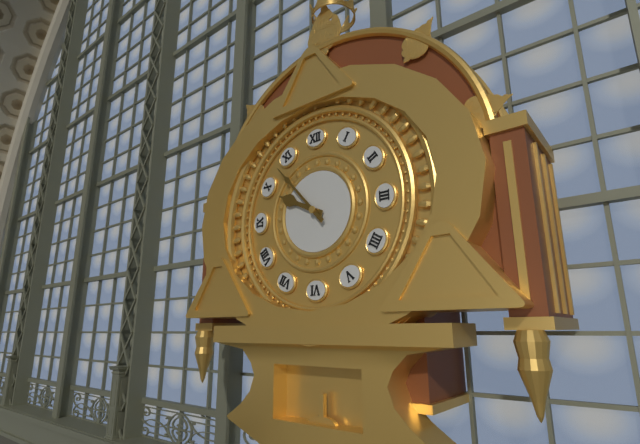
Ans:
9h53
